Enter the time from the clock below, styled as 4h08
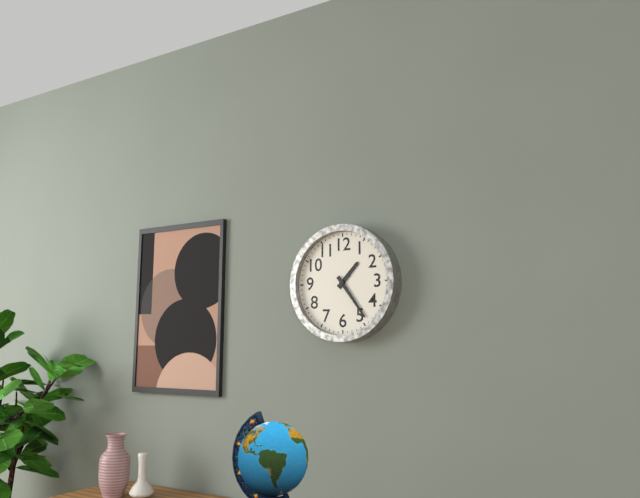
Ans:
1h24
